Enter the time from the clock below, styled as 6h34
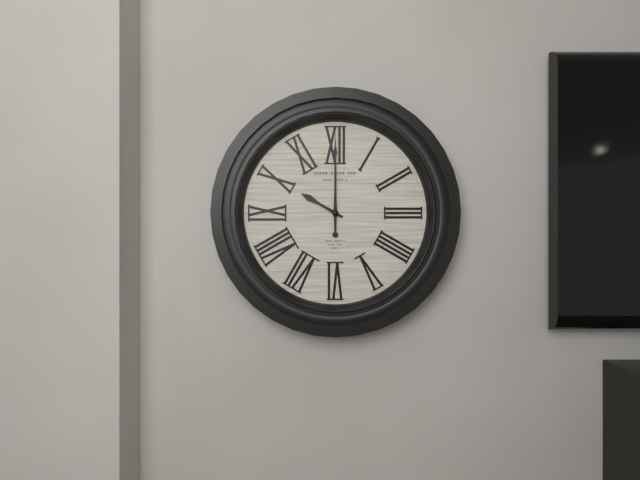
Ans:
10h00
